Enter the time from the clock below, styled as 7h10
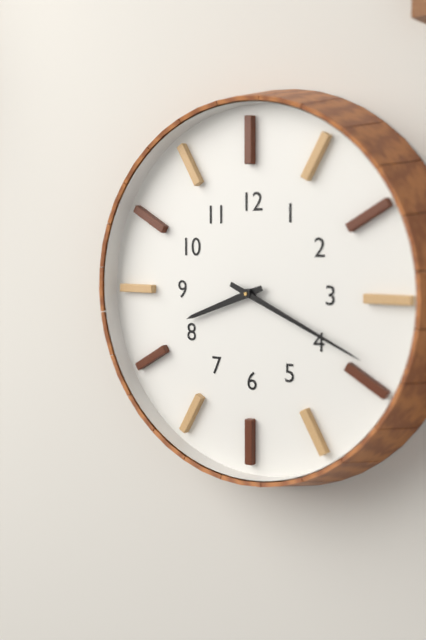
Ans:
8h19
